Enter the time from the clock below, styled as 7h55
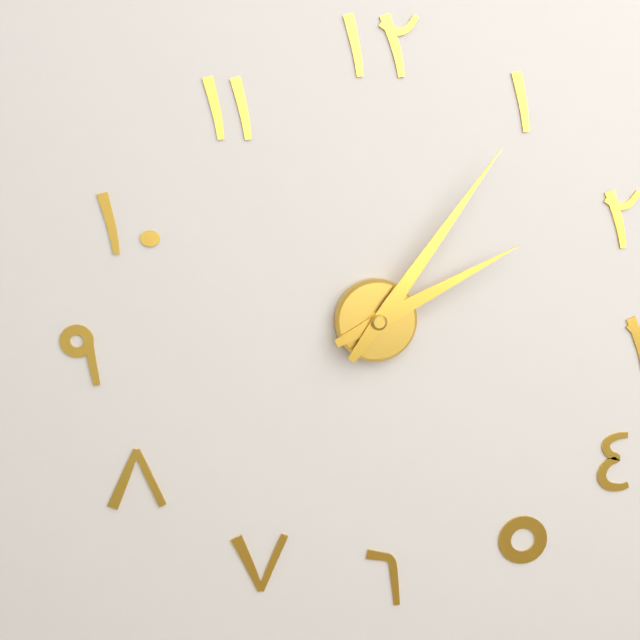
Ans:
2h06
